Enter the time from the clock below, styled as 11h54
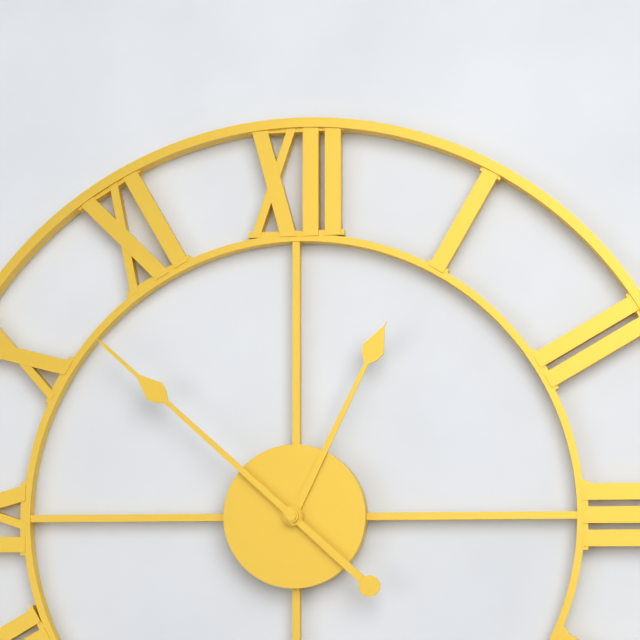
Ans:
12h52
